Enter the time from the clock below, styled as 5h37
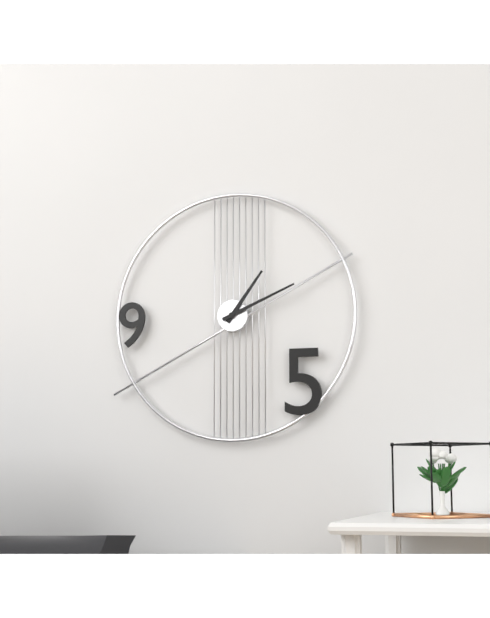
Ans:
1h11
